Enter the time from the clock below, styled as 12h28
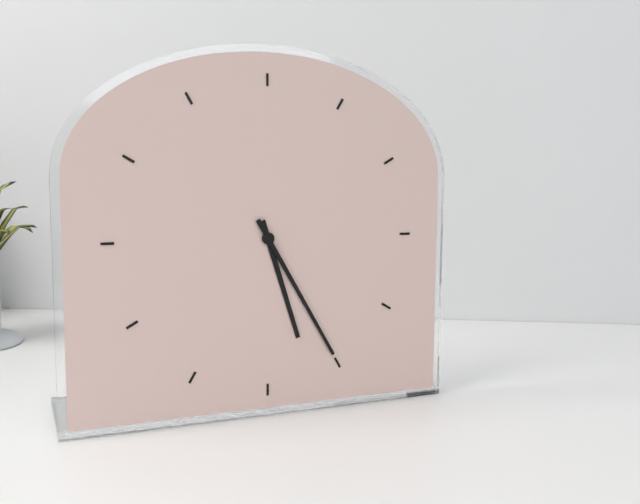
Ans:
5h25
